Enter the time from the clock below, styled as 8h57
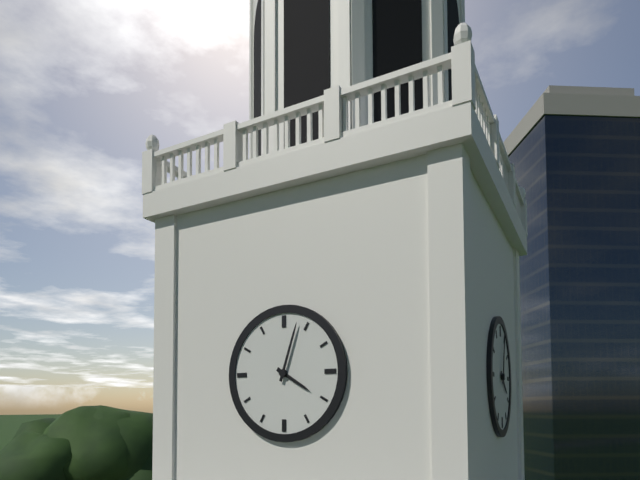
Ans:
4h03
